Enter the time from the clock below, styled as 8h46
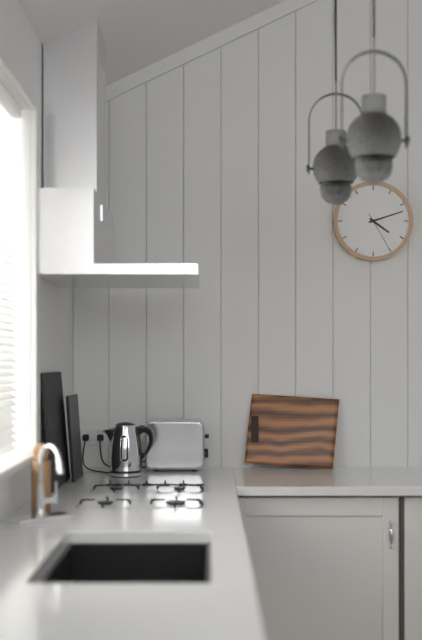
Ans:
4h12
